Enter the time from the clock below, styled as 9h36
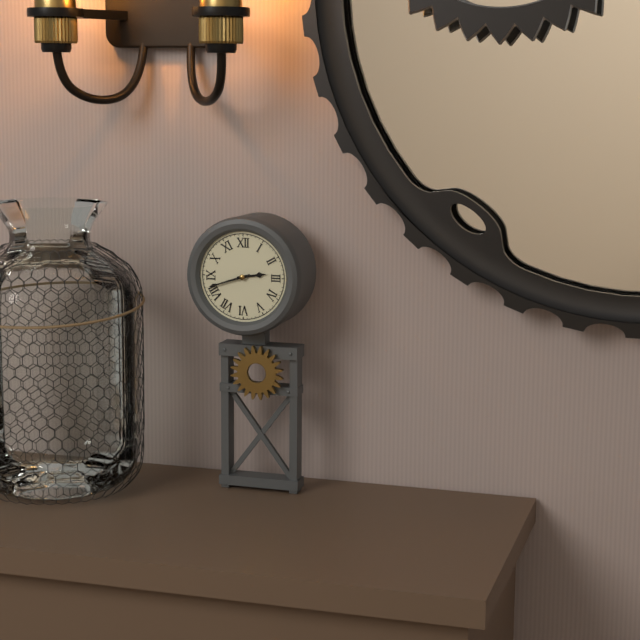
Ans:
2h42
